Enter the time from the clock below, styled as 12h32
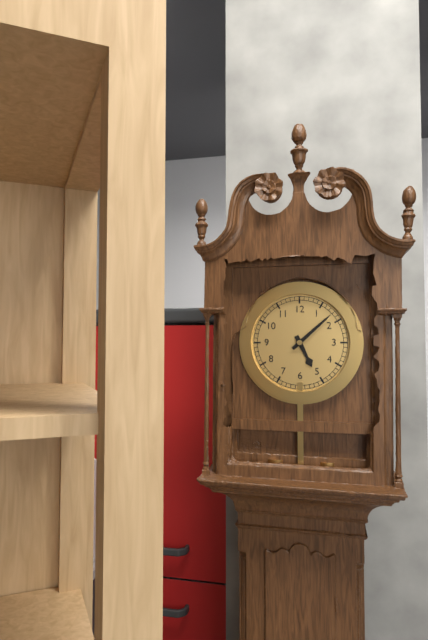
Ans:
5h08
